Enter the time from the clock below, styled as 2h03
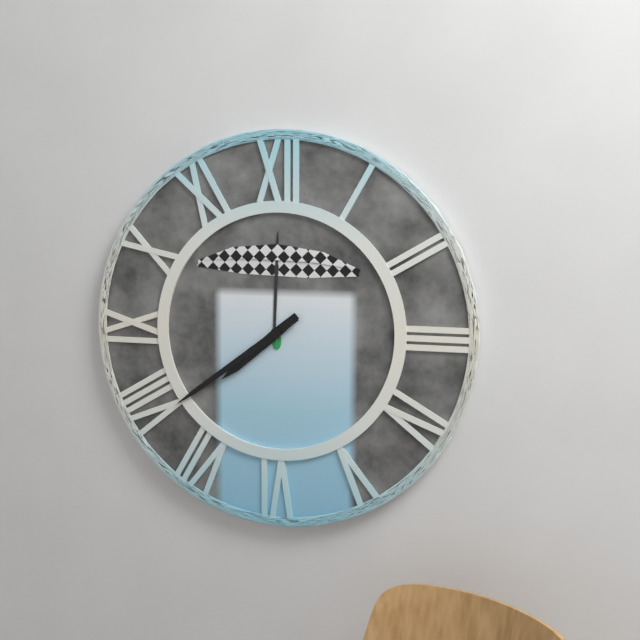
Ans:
7h39
